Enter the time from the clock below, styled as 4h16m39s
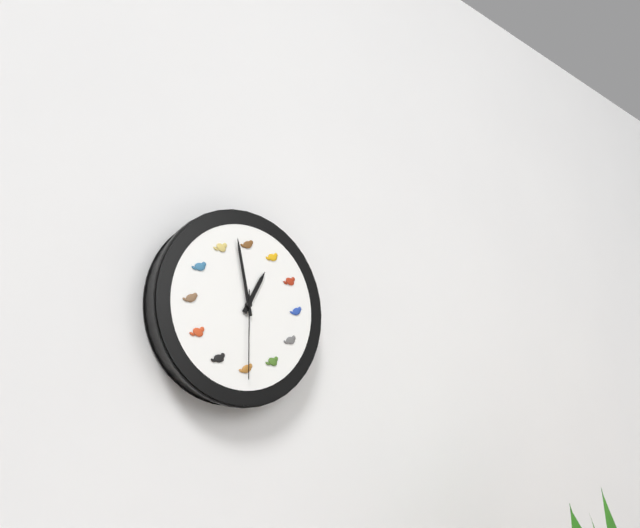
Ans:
12h58m30s
